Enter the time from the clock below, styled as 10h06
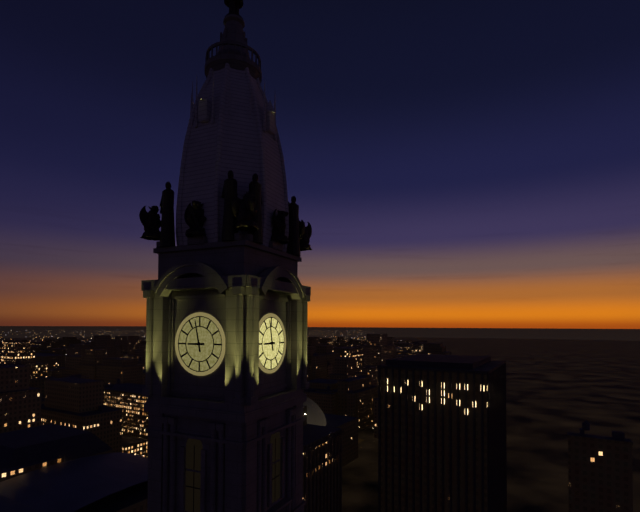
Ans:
8h58
